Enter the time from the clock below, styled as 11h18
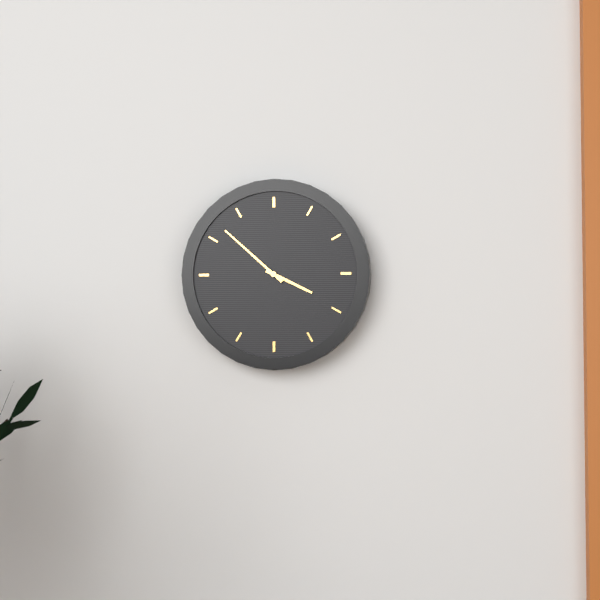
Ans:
3h52
